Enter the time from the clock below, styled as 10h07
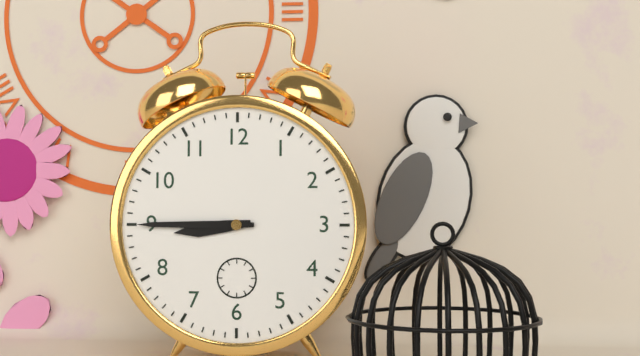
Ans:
8h45
